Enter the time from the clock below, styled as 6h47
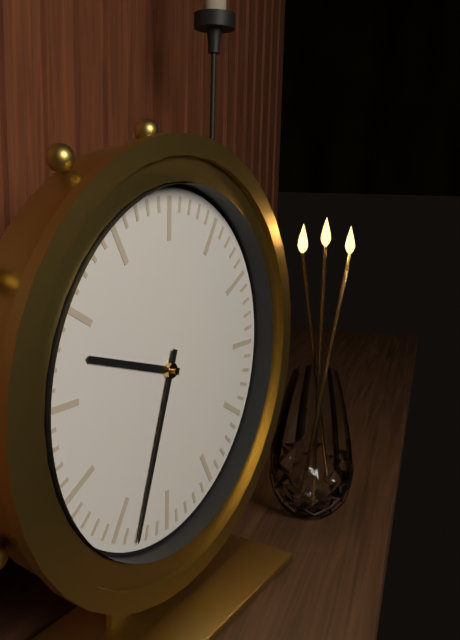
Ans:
9h33
